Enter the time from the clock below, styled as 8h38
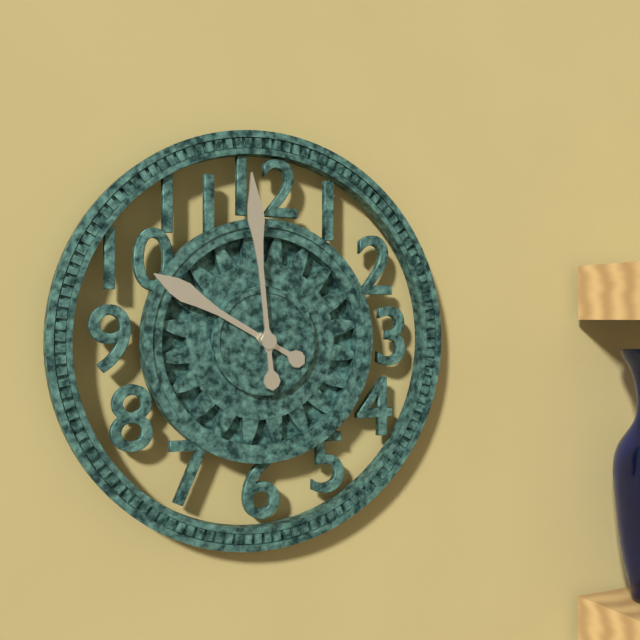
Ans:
9h59
